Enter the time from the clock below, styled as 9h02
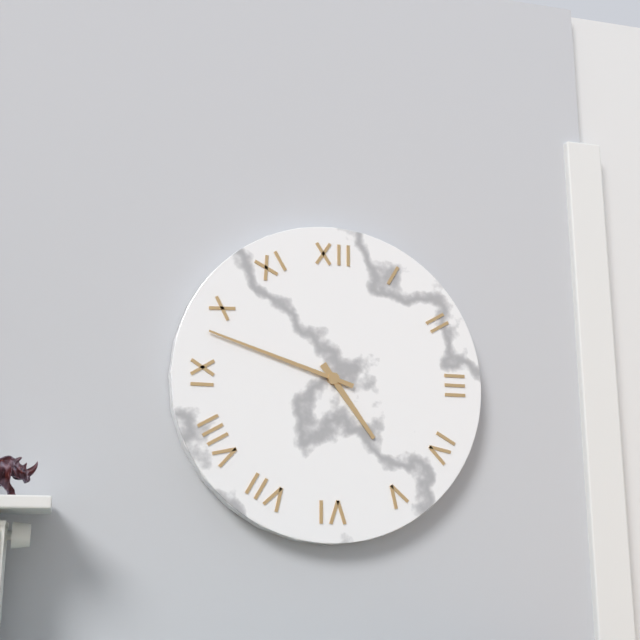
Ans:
4h48
